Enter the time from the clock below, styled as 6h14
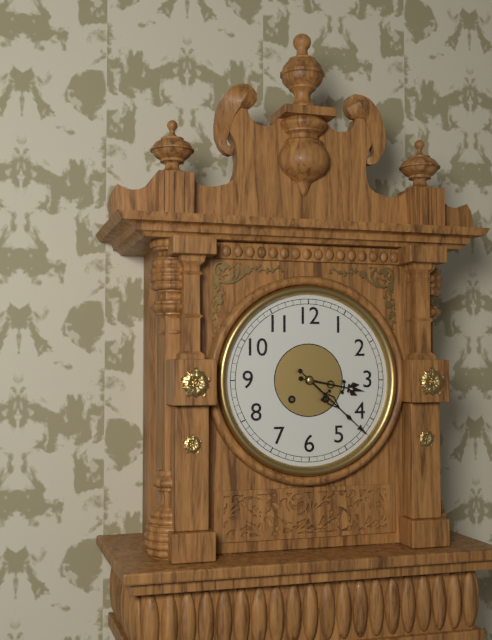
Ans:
3h22
